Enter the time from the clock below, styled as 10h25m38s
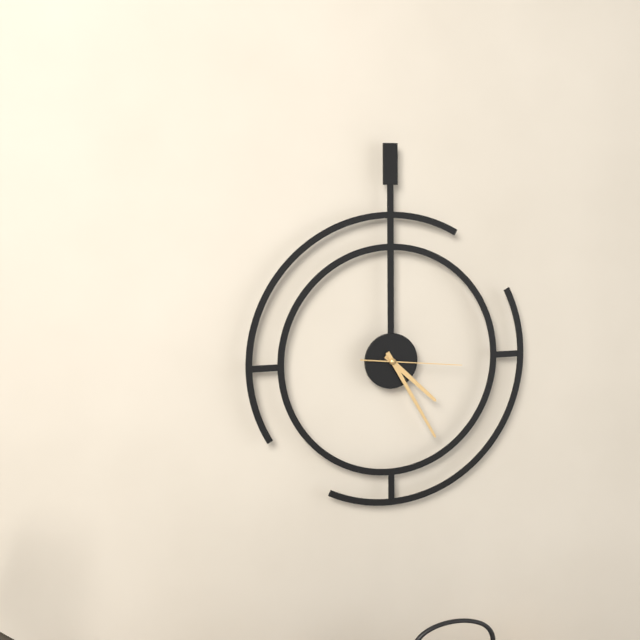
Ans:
4h25m16s
